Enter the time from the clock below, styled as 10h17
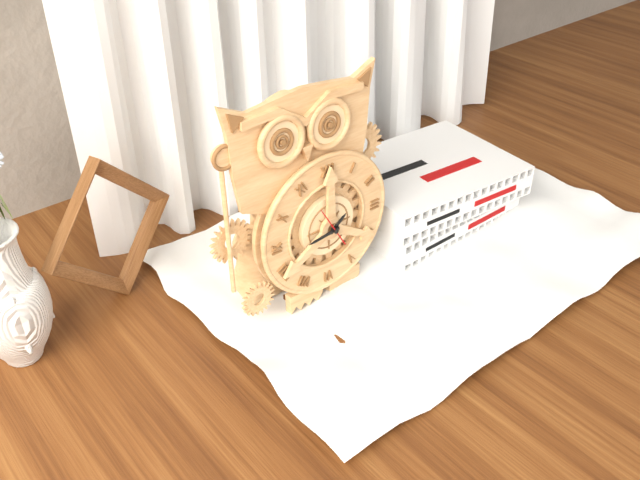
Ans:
1h44
